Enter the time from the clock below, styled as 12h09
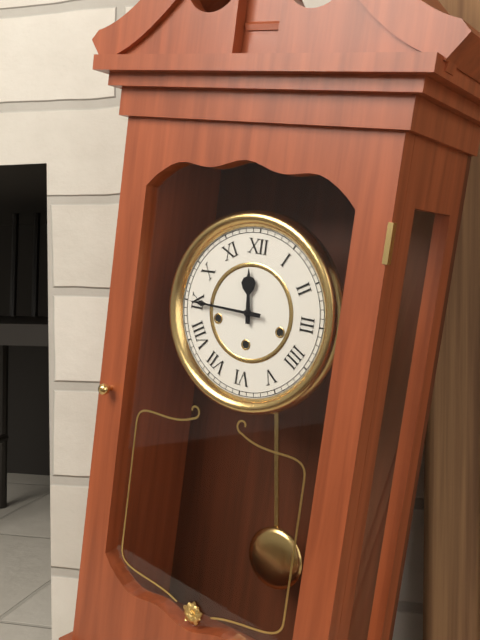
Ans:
11h45
